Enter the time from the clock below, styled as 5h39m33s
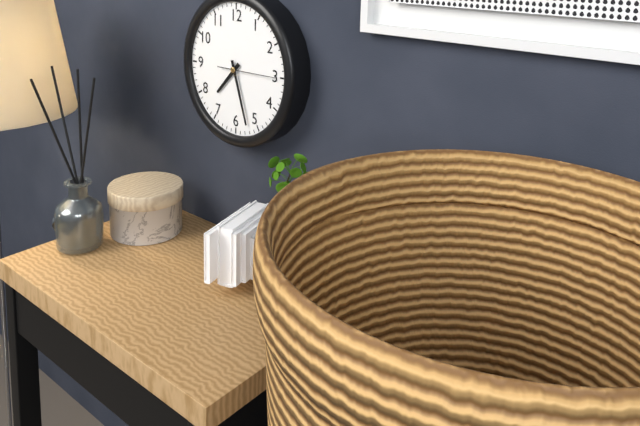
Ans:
7h27m15s
